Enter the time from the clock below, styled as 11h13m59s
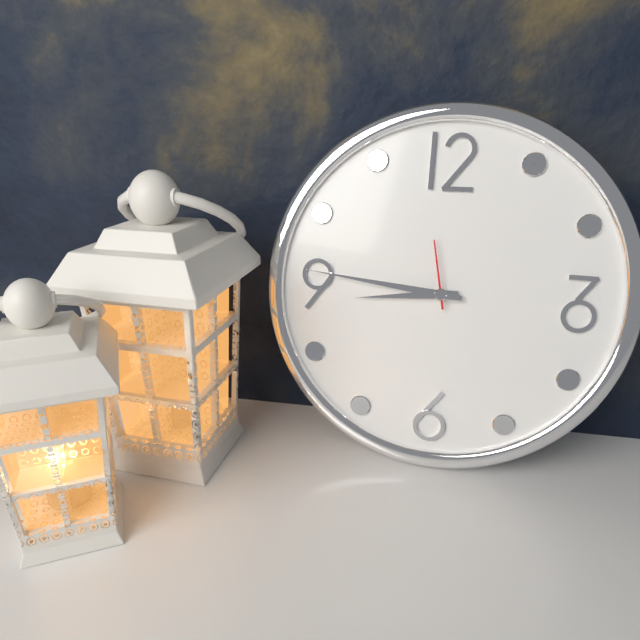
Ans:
8h46m58s
